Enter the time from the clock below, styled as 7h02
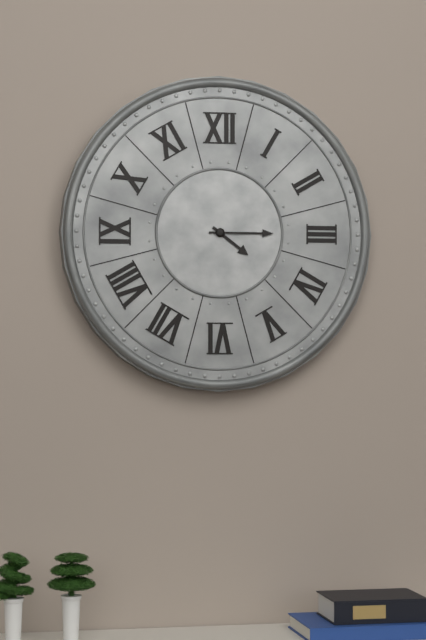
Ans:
4h15
